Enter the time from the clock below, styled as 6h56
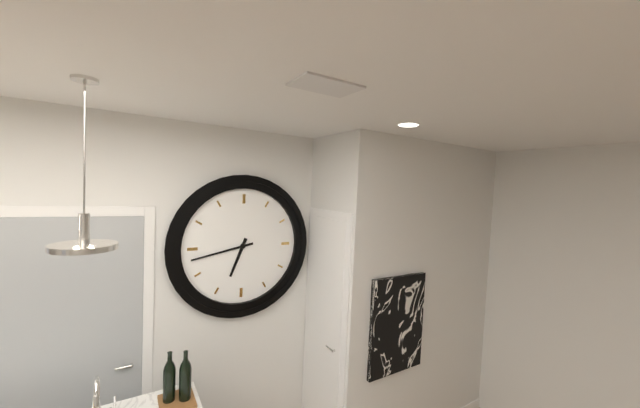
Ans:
6h43
